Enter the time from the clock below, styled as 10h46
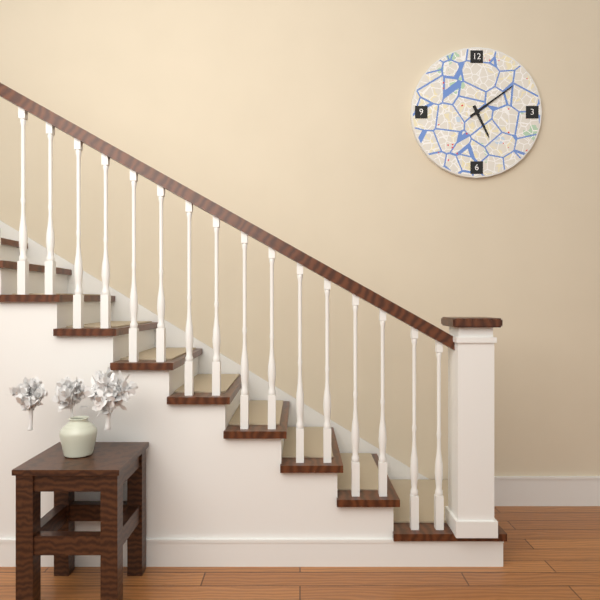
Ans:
5h09
